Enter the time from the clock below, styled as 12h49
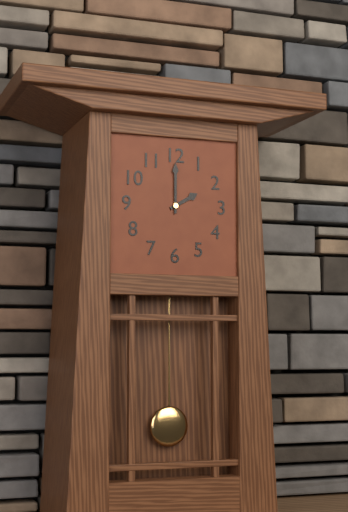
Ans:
2h00
